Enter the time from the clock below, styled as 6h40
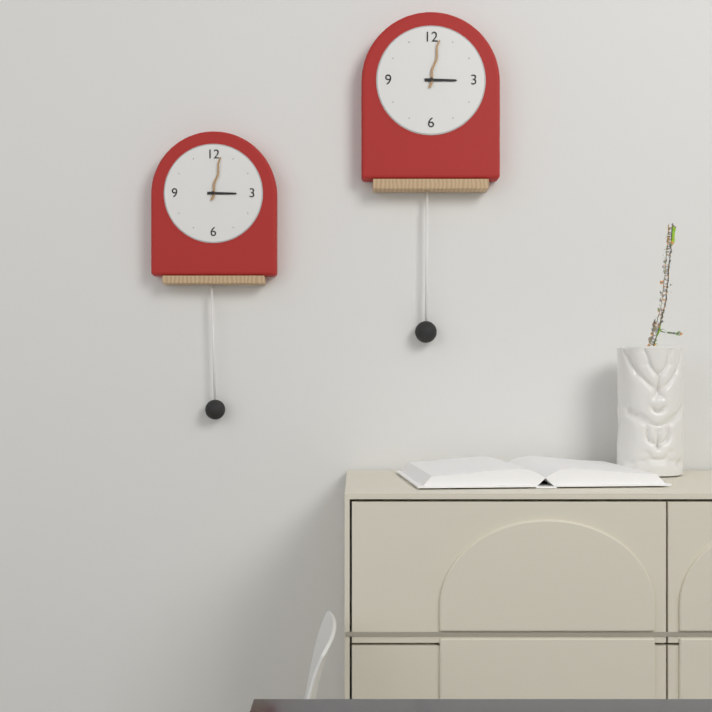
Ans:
3h02
